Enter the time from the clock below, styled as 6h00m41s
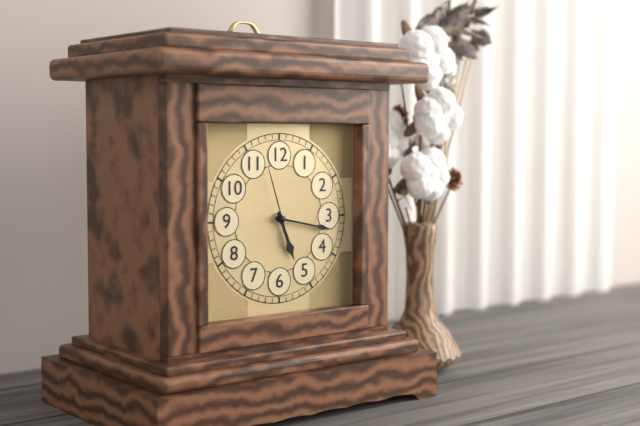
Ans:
5h17m57s
